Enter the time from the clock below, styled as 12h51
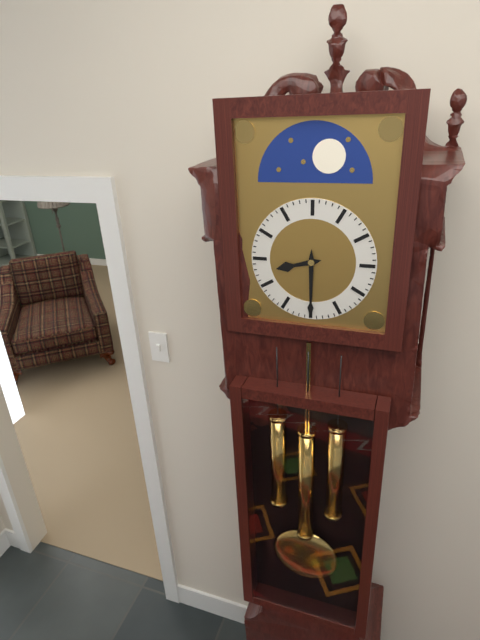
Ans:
8h30
